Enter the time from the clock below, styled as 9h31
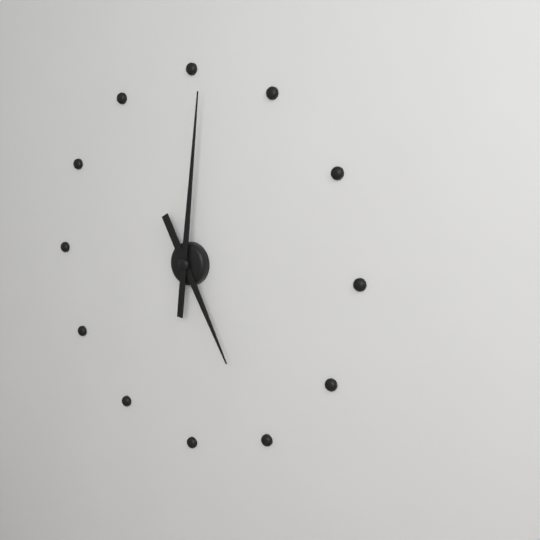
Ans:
5h01
